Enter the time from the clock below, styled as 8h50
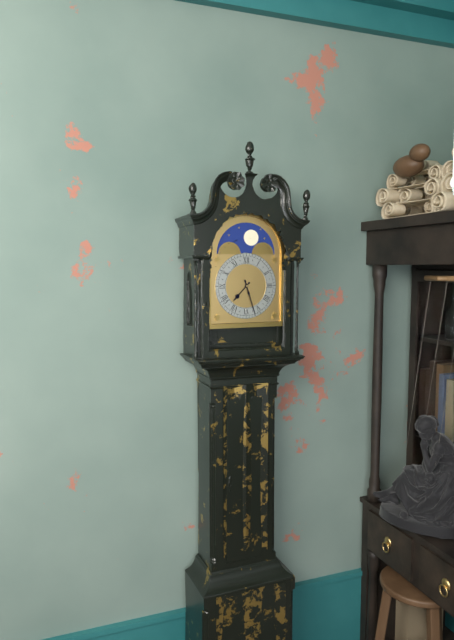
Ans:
7h27
